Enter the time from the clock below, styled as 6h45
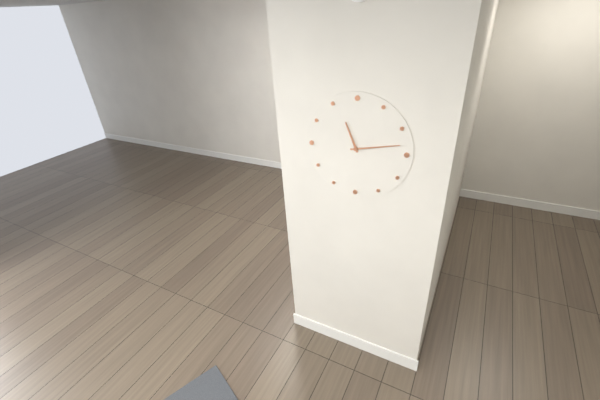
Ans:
11h13
